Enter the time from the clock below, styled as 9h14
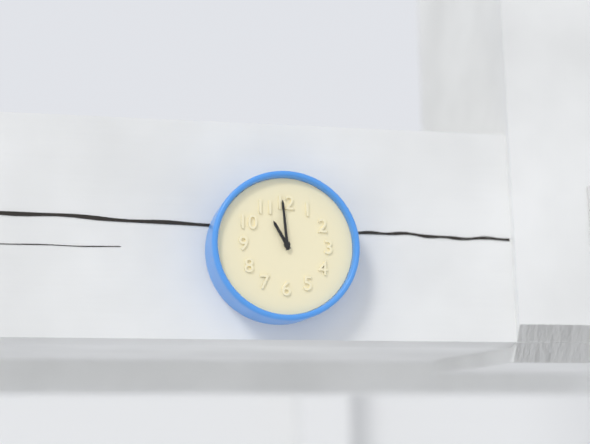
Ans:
10h59
